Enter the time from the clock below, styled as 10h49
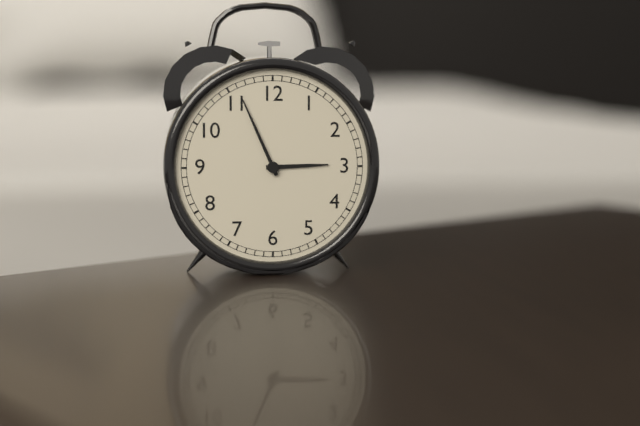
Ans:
2h56
